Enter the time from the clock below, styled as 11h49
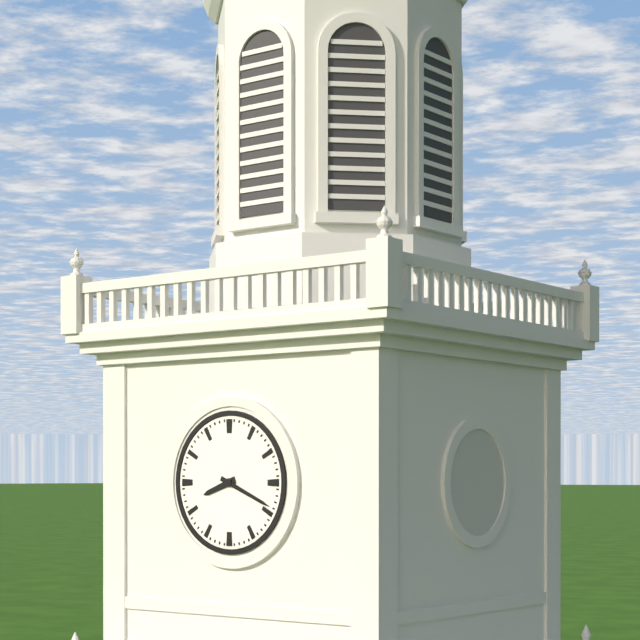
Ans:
8h19
